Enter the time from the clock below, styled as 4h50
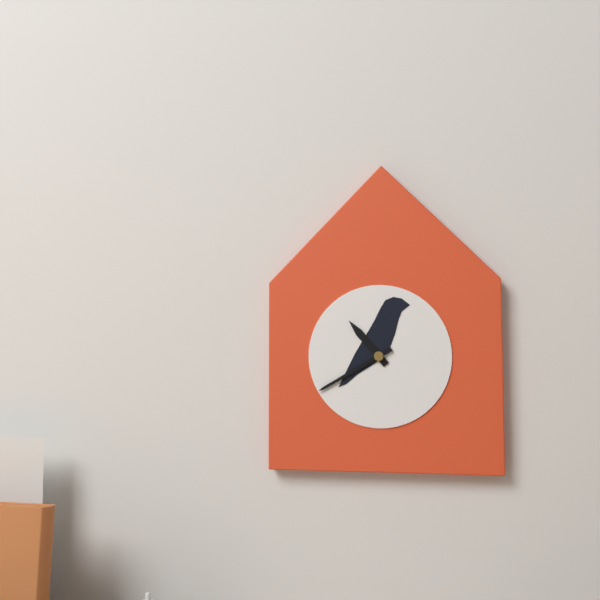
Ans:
10h40
